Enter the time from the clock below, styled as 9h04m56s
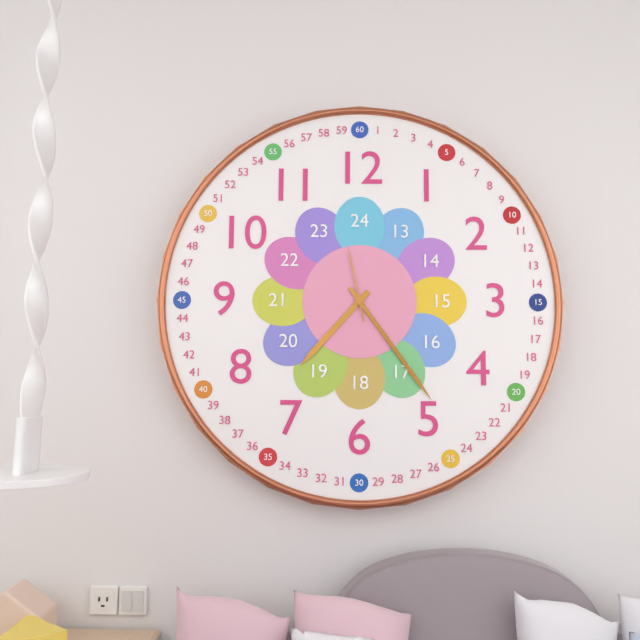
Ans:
7h24m58s
